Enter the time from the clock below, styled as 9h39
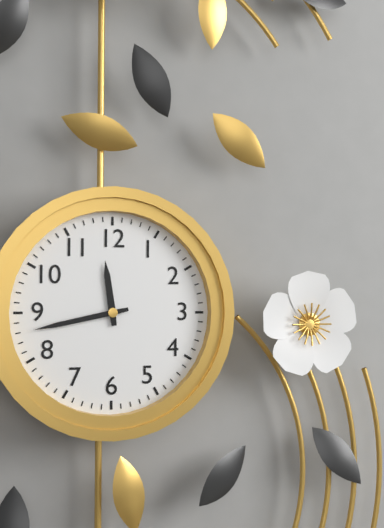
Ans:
11h43
